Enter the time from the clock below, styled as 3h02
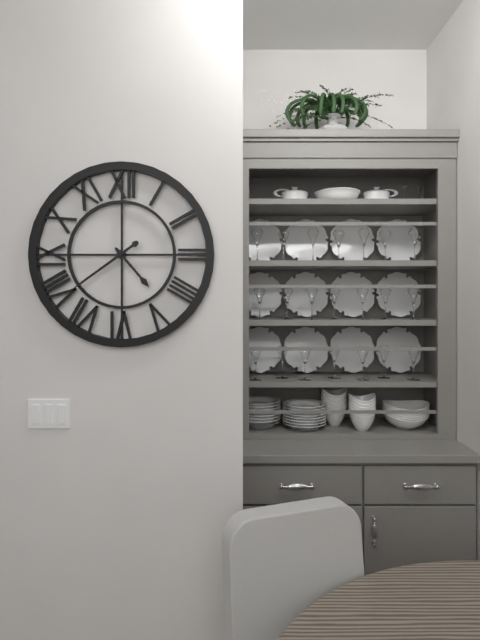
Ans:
4h39
